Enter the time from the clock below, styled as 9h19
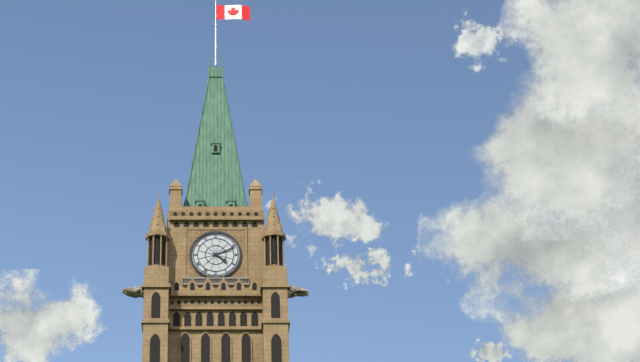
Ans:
4h11
